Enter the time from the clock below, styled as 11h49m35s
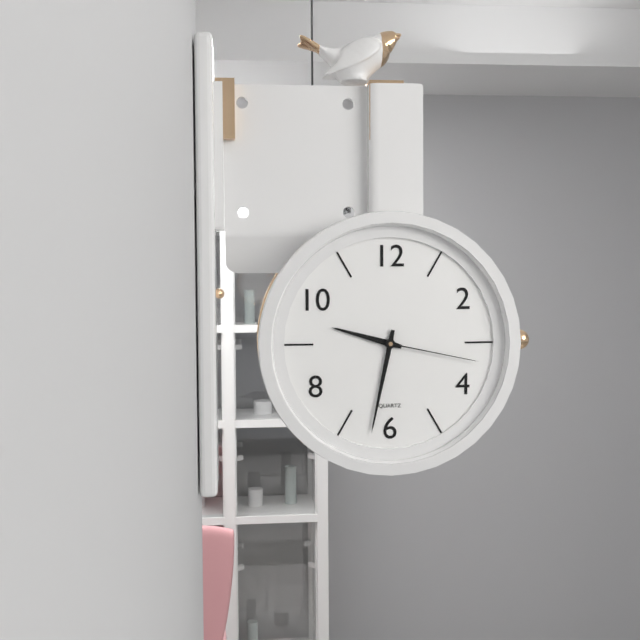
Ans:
9h32m17s
